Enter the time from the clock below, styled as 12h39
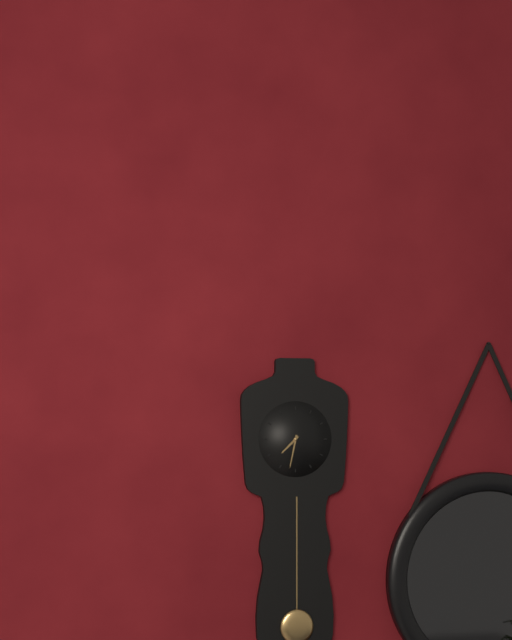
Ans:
7h32
